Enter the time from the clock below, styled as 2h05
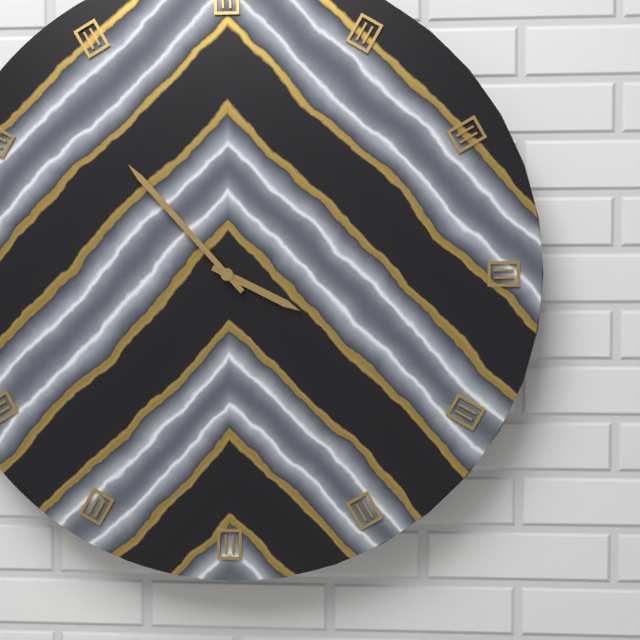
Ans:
3h53
